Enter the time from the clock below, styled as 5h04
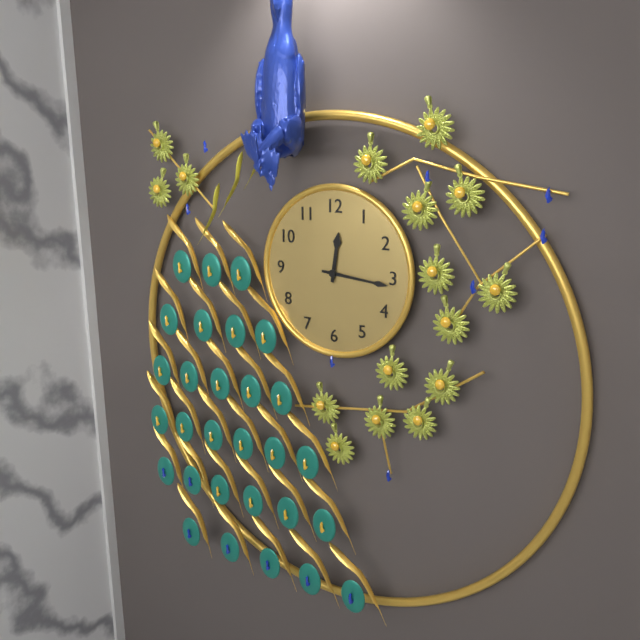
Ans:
12h16
